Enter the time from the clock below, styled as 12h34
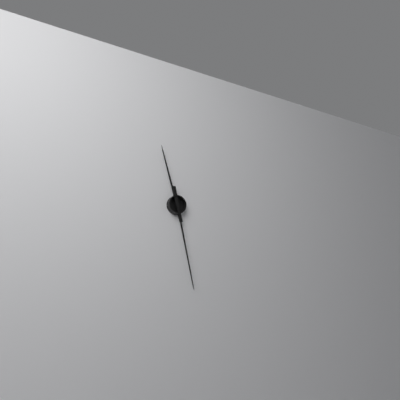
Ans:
11h28
